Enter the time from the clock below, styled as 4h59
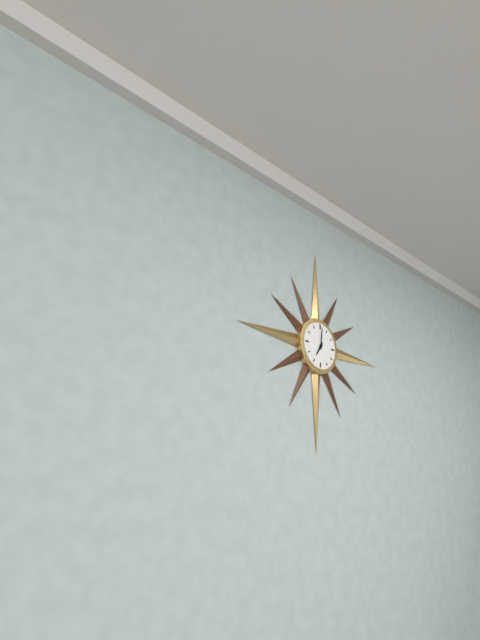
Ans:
7h01
